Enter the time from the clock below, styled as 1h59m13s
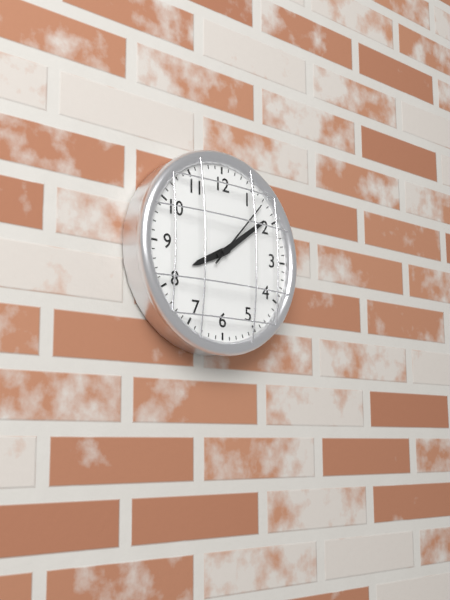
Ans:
8h09m07s
